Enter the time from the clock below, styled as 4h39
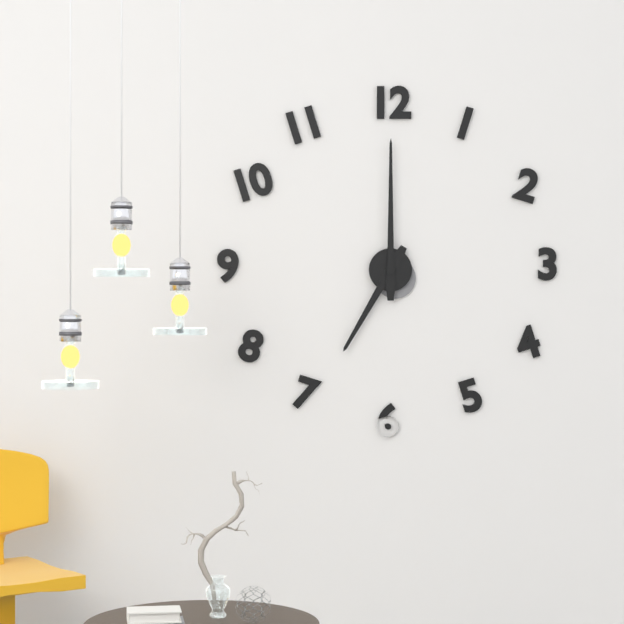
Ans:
7h00
